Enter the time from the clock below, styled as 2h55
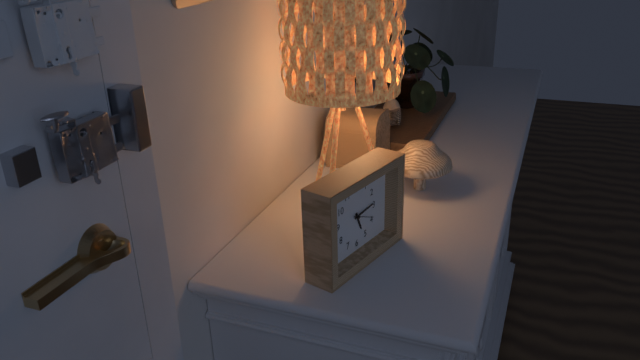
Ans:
5h14
